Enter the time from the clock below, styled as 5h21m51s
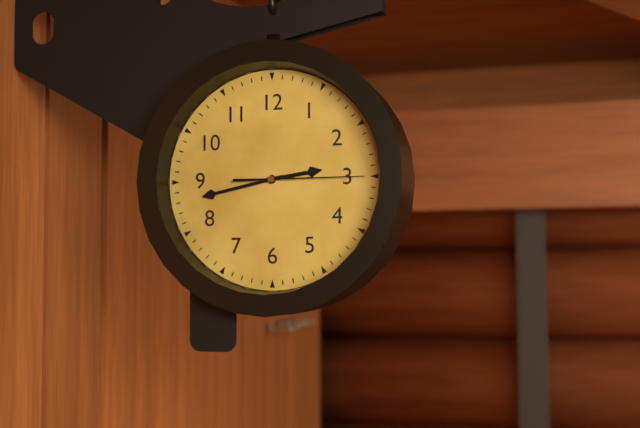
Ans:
2h43m15s
